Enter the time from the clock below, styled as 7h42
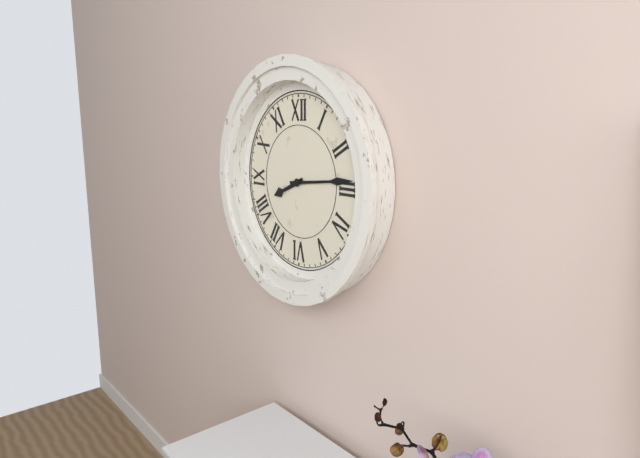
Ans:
8h14
